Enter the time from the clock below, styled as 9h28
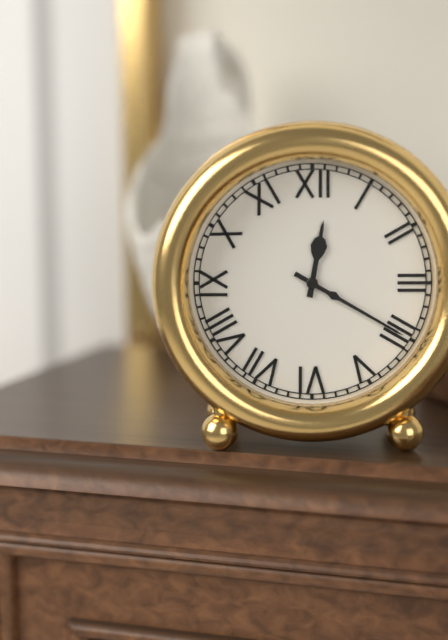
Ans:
12h20
